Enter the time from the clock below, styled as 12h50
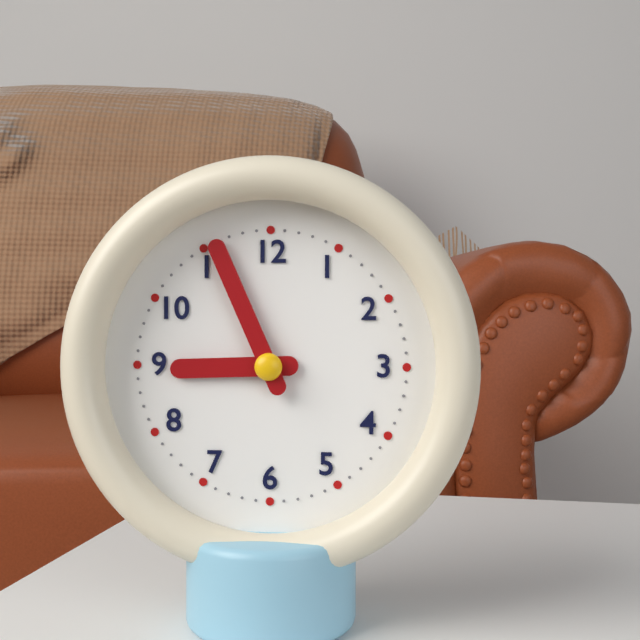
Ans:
8h56
